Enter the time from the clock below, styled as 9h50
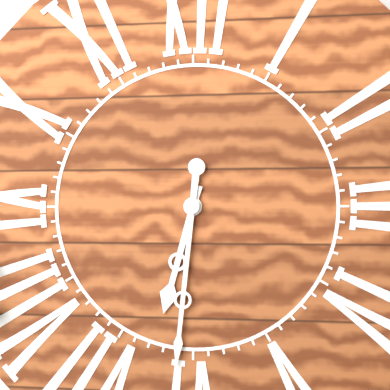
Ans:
6h31
